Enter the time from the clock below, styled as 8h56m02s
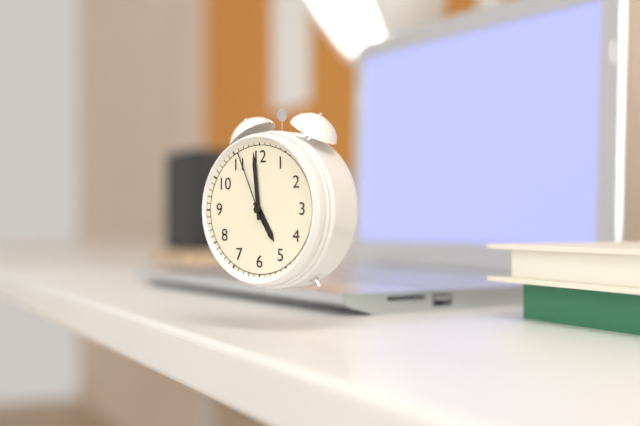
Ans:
4h59m56s
